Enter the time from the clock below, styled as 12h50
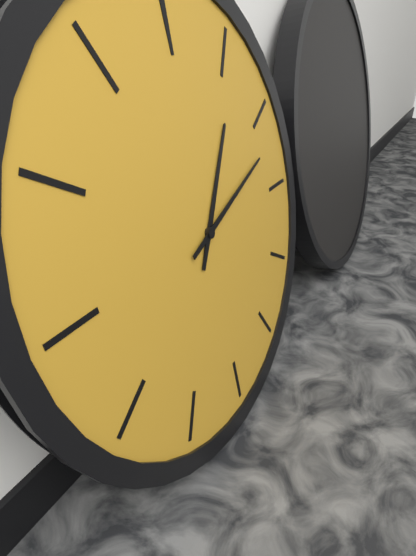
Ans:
1h12
